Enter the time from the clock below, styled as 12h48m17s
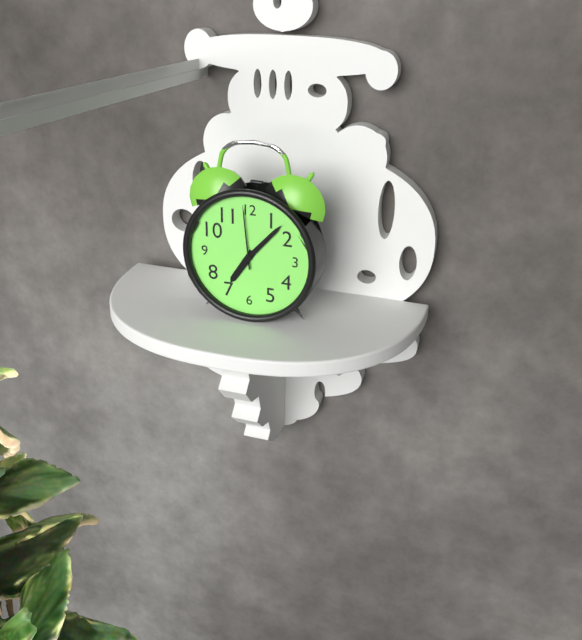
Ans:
7h07m59s
